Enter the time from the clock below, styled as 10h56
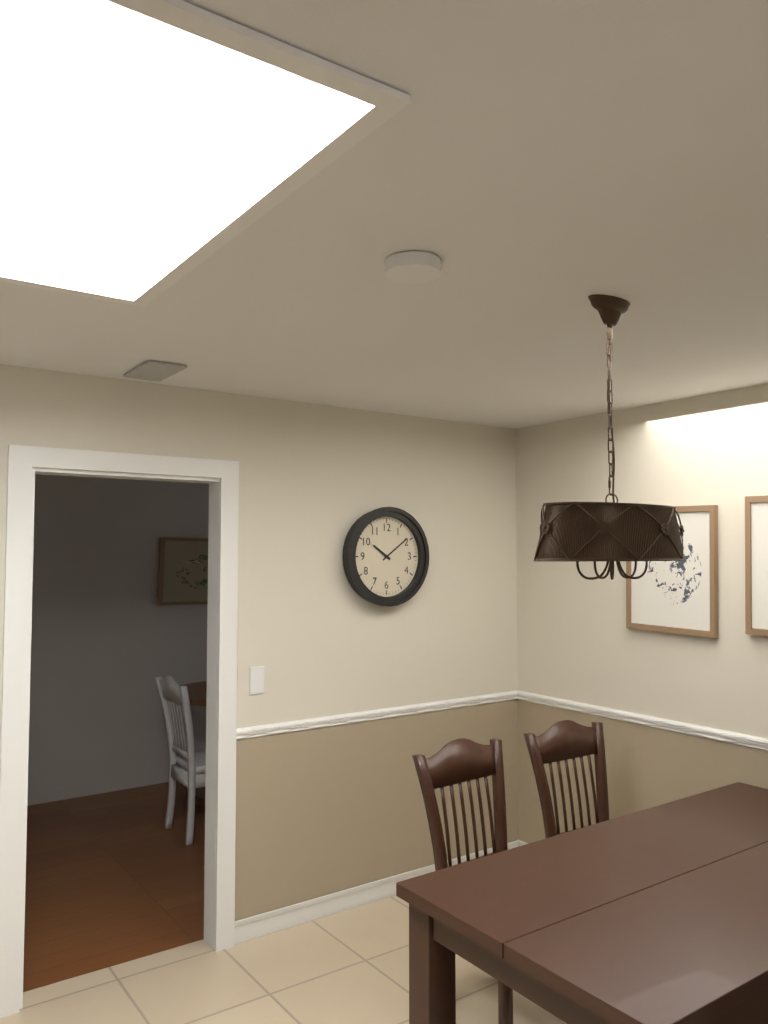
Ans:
10h09
